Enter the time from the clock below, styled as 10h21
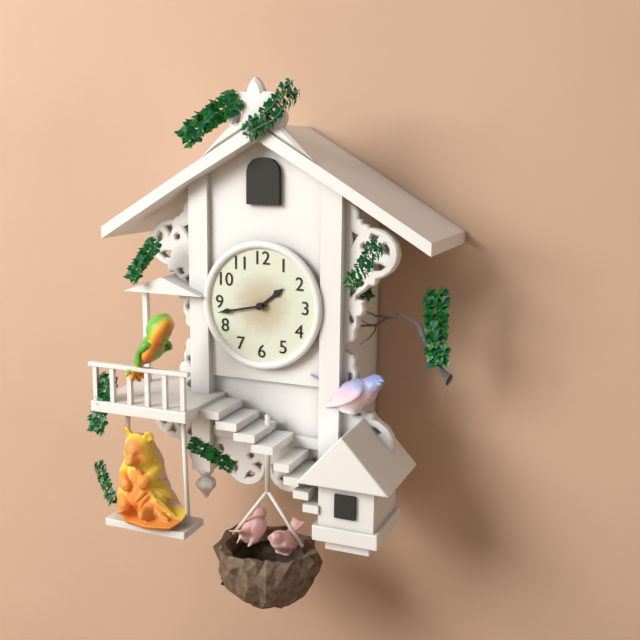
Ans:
1h43
